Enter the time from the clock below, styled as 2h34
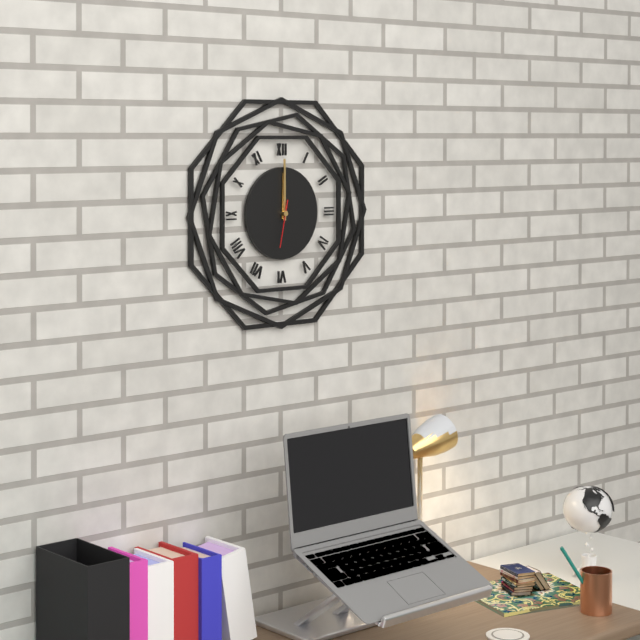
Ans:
12h00
